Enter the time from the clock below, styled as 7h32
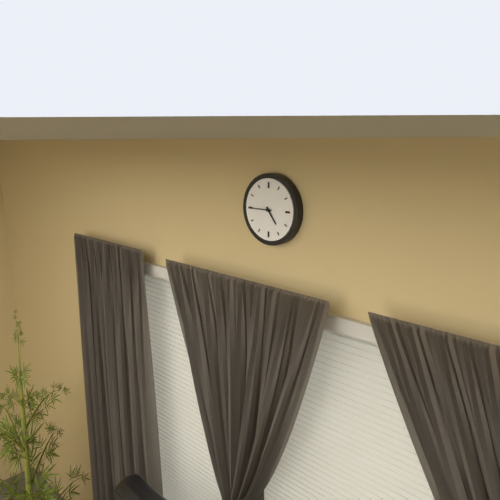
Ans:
4h45
